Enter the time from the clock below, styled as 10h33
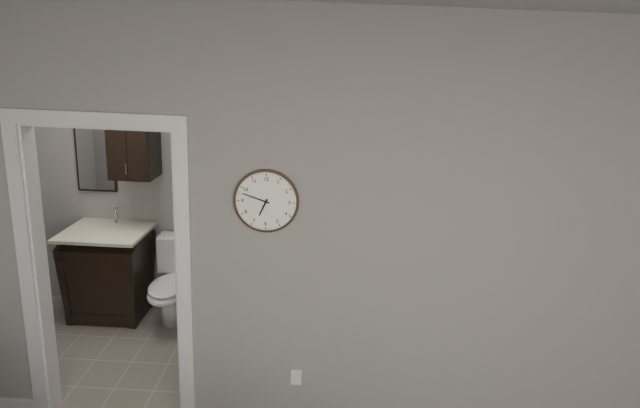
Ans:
6h48
